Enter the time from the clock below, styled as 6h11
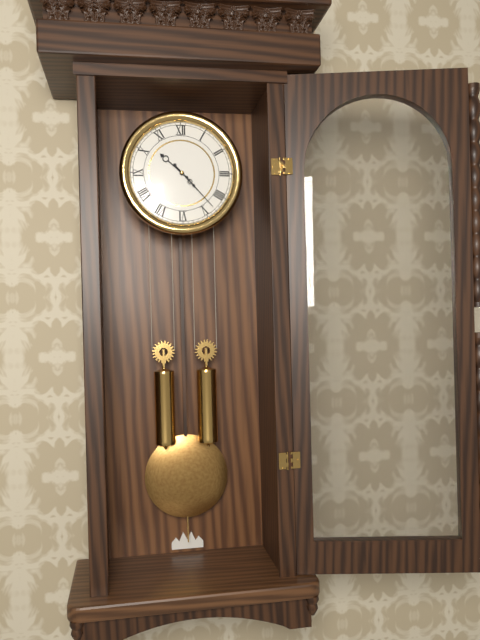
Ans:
10h23
